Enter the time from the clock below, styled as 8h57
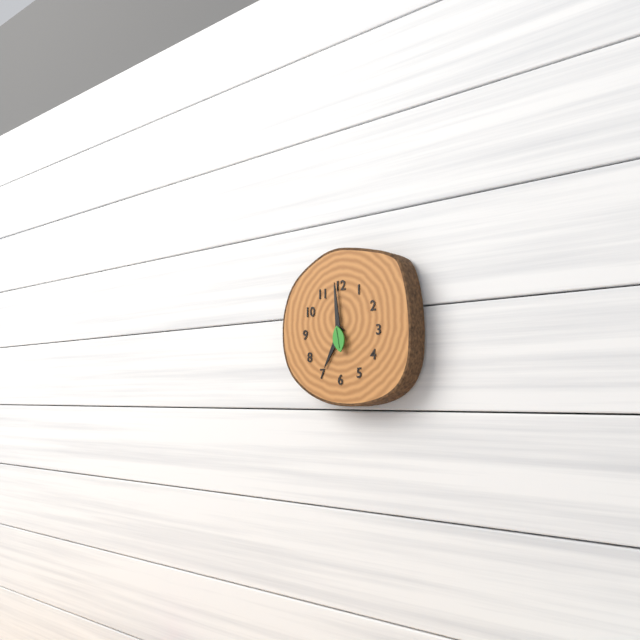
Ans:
6h59
